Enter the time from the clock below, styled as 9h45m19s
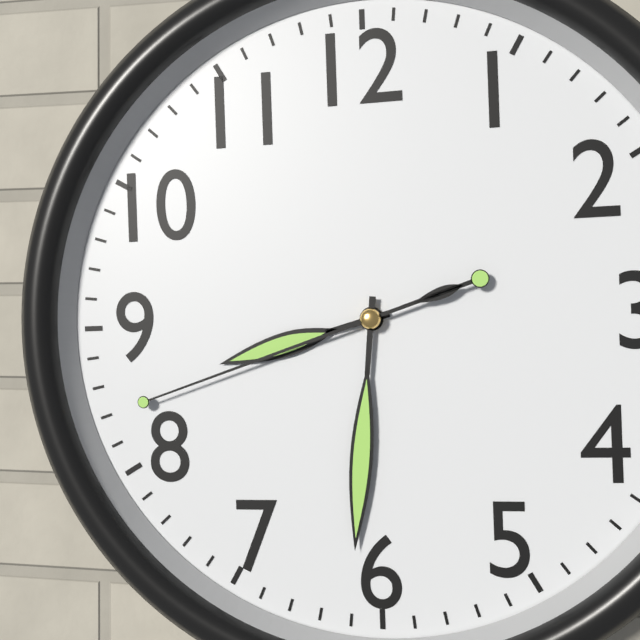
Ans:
8h31m42s
